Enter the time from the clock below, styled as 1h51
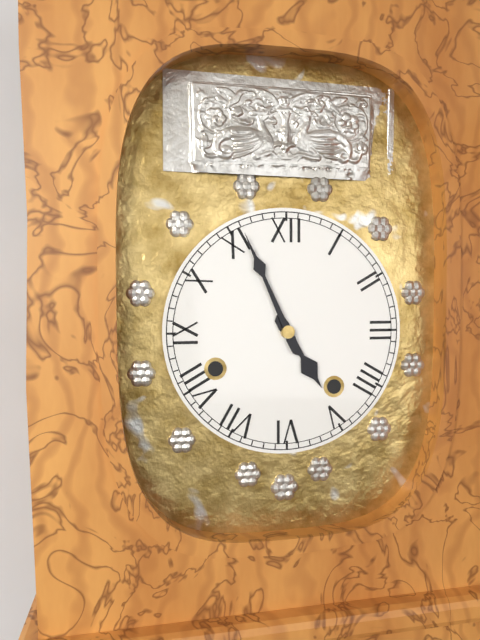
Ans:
4h56
